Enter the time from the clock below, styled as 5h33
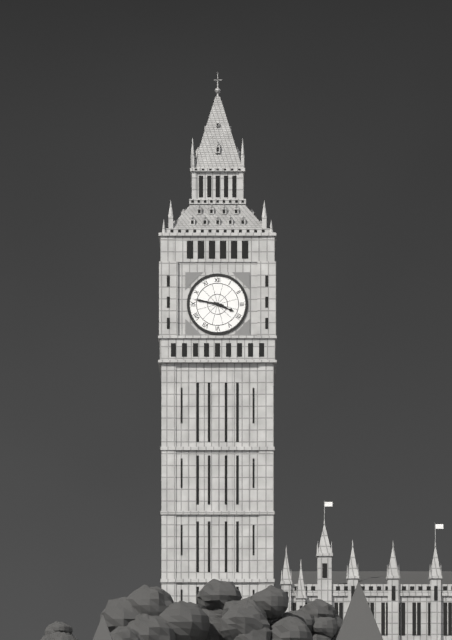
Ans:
3h47
